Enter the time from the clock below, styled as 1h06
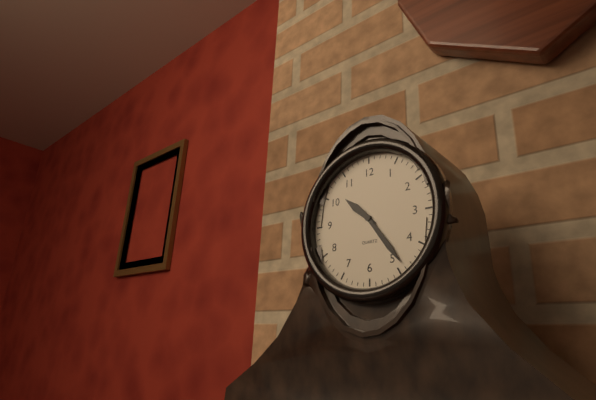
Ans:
10h24
